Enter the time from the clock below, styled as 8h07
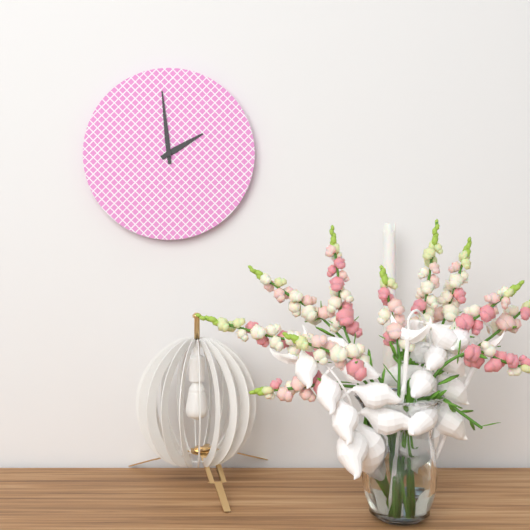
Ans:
1h59
